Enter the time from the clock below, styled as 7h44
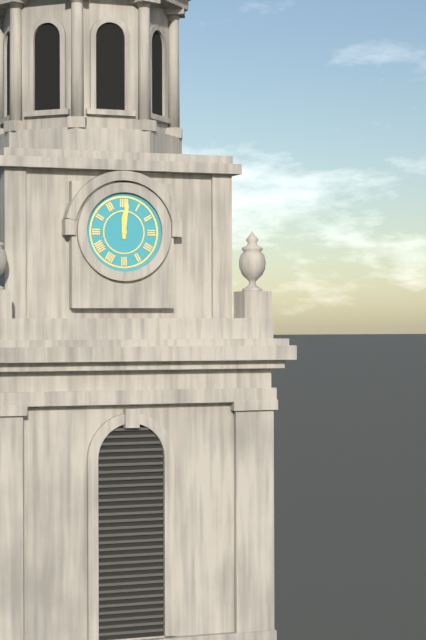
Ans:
12h01
